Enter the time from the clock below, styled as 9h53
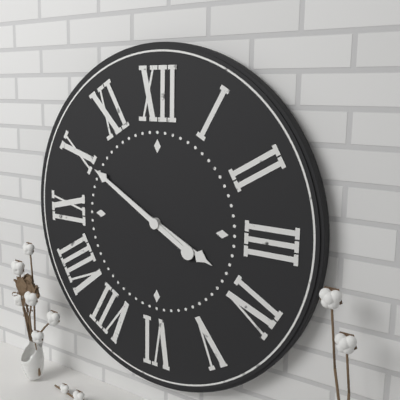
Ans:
3h50
